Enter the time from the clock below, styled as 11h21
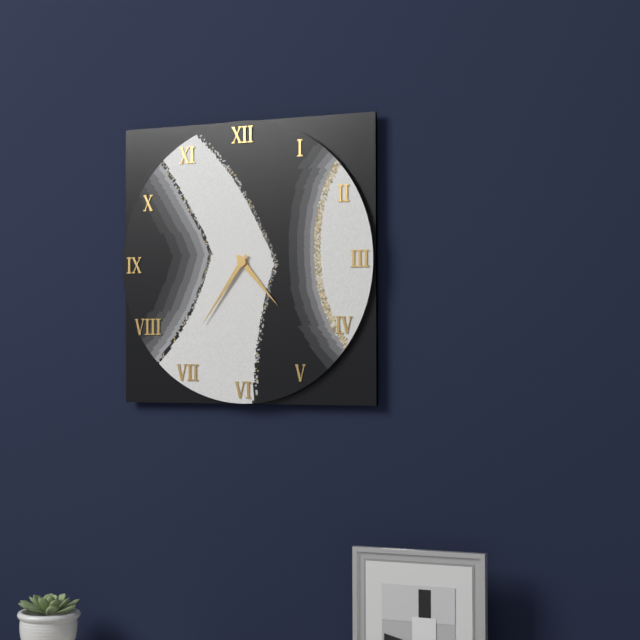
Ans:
4h36
